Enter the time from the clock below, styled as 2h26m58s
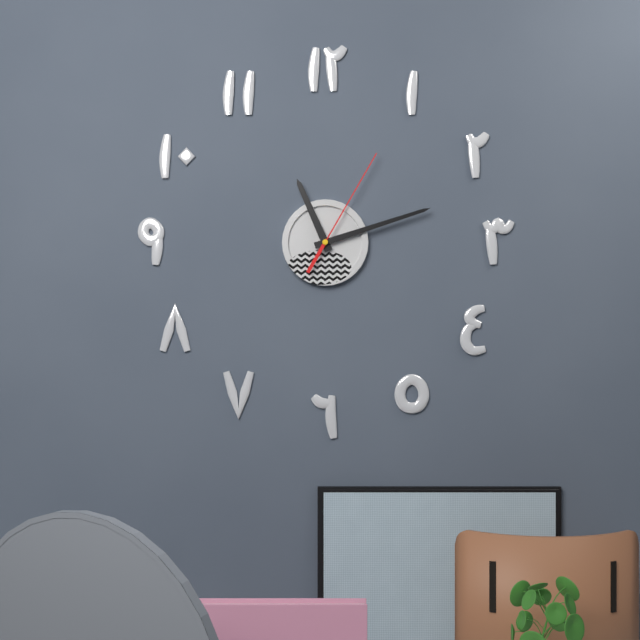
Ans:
11h12m05s
